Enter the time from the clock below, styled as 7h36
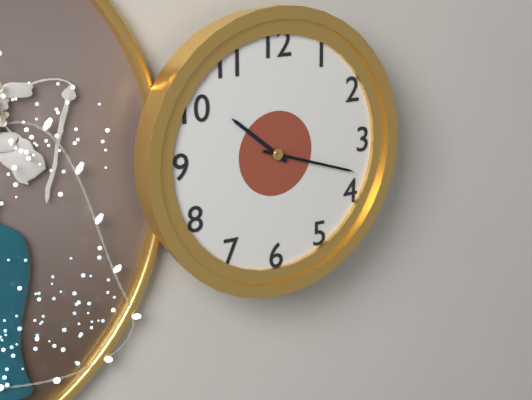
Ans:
10h18
